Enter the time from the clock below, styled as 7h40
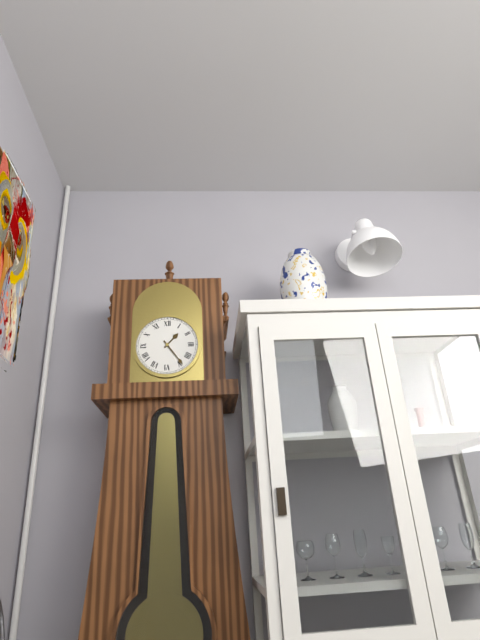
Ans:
1h24
